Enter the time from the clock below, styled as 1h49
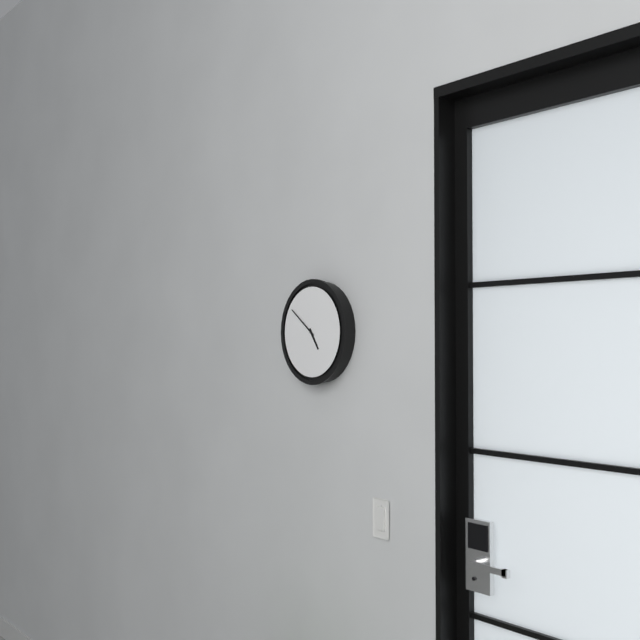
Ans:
4h51
